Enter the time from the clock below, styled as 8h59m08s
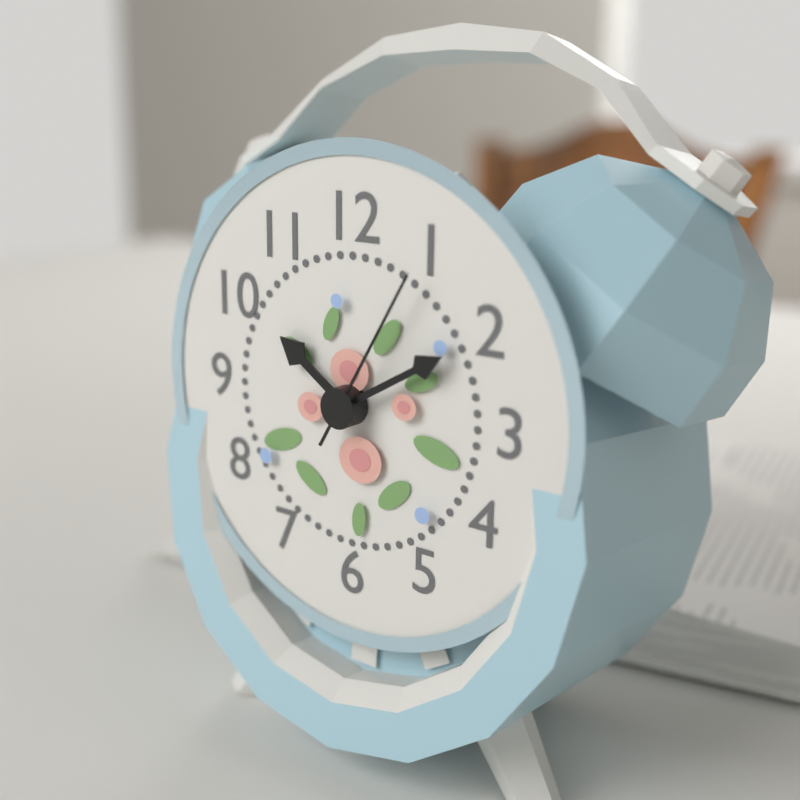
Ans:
10h10m05s
